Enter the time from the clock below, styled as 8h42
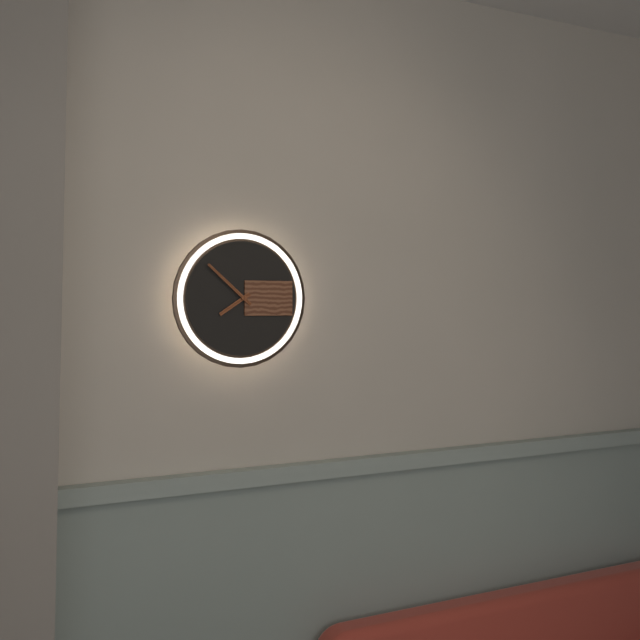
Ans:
7h52
